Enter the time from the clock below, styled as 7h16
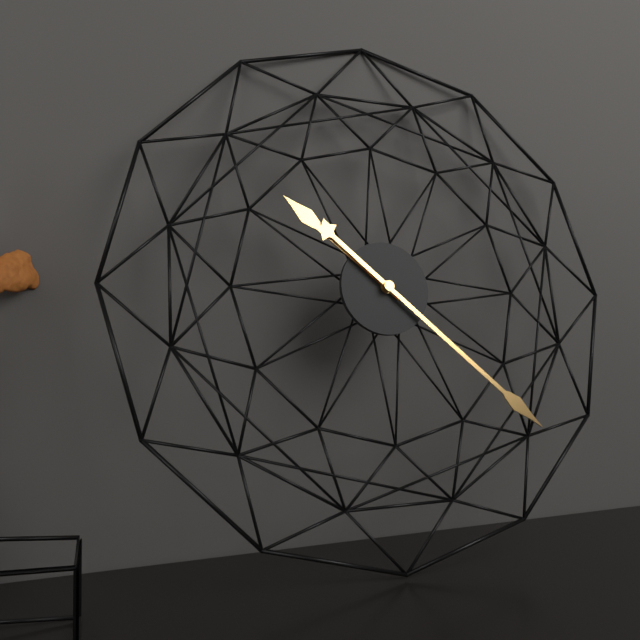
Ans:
10h22
